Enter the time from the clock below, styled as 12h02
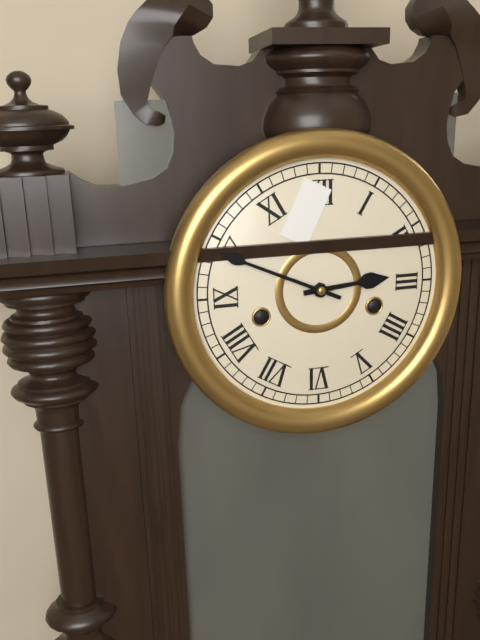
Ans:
2h49
